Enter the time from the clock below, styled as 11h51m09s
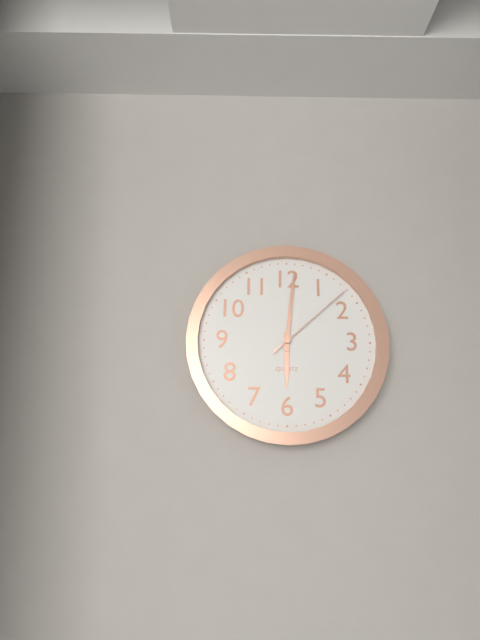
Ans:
6h01m08s
